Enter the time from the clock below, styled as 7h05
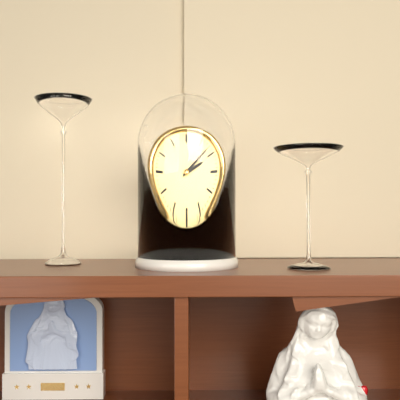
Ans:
2h08
